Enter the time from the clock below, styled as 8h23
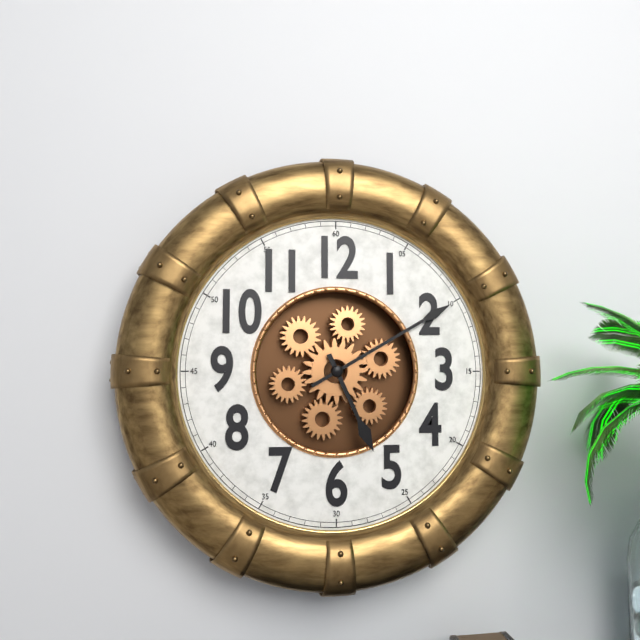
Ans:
5h10
